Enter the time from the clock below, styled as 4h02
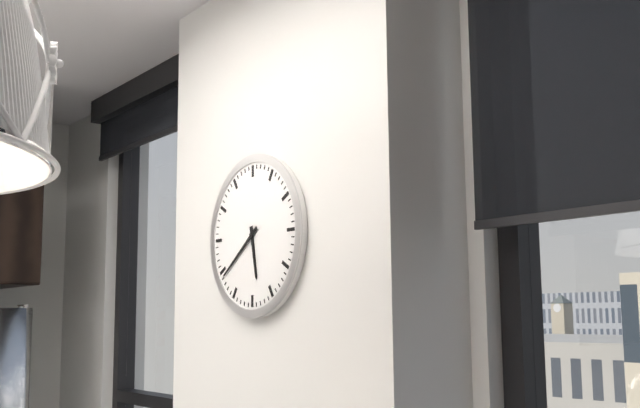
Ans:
5h39
